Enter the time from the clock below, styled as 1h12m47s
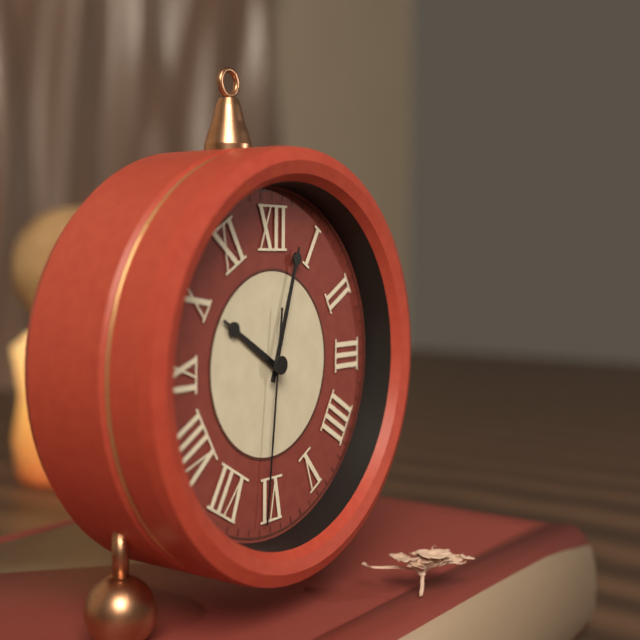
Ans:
10h03m31s
